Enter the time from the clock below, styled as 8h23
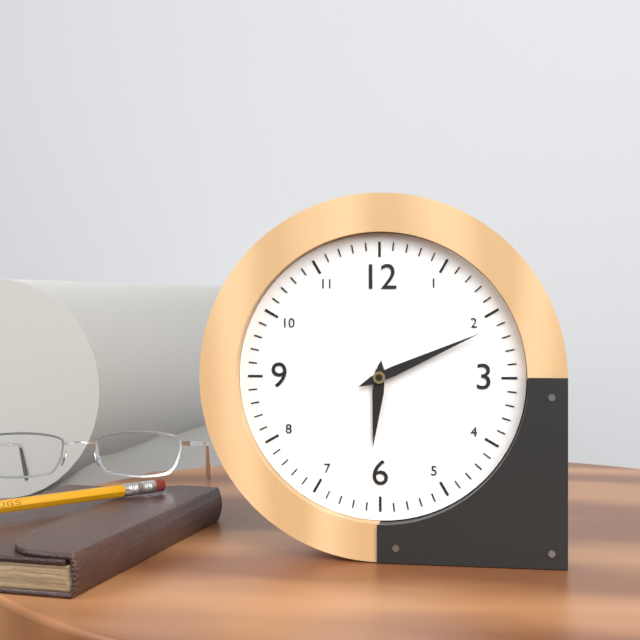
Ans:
6h11
